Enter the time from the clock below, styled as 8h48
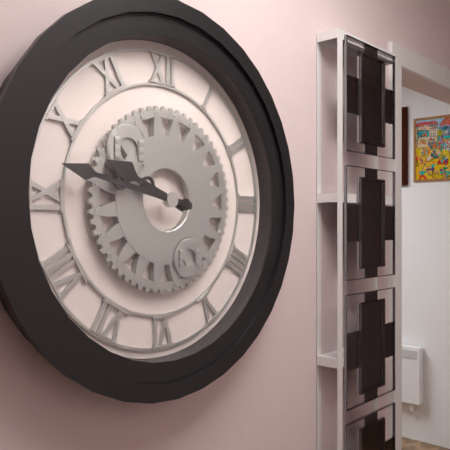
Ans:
9h47
